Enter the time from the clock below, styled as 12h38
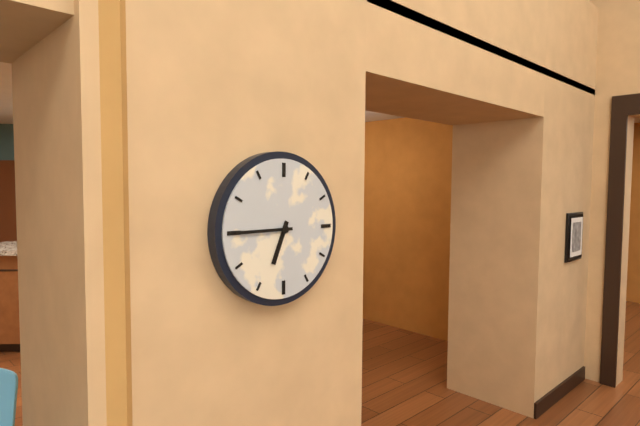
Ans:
6h45
